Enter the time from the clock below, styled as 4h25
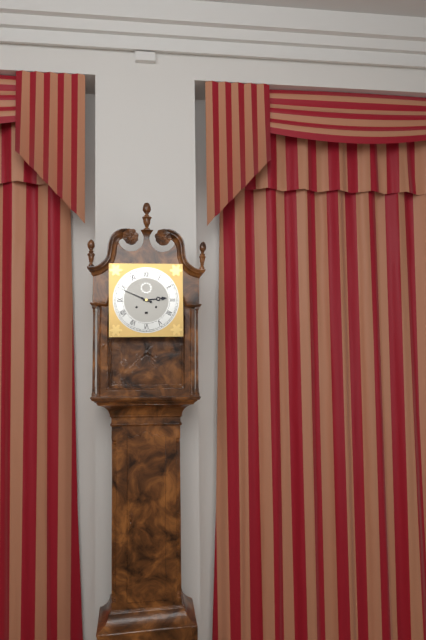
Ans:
2h49
